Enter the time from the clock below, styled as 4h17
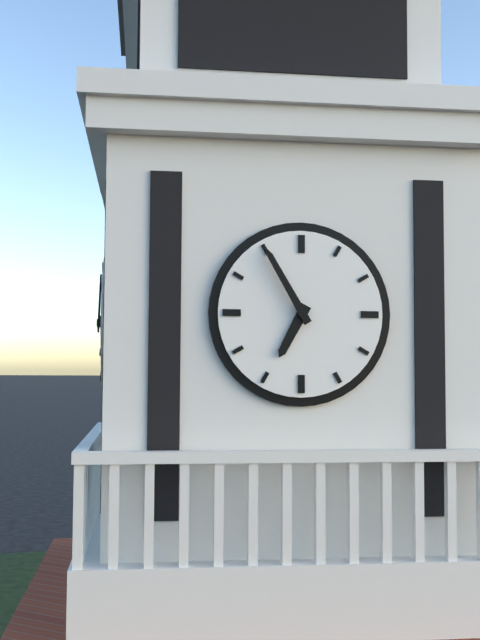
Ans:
6h55
